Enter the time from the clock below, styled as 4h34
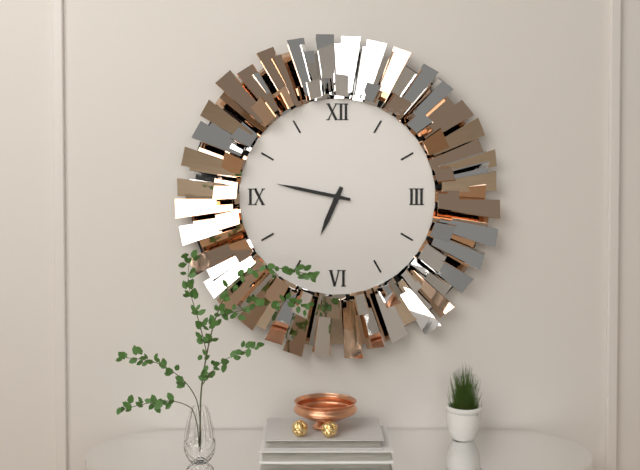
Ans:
6h47
